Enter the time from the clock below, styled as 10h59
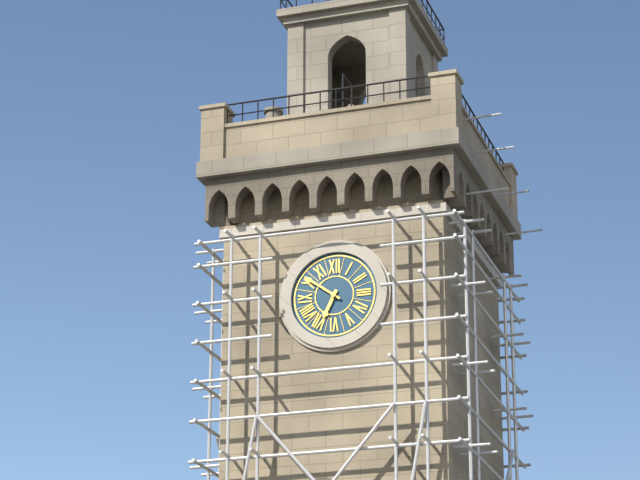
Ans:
6h51
